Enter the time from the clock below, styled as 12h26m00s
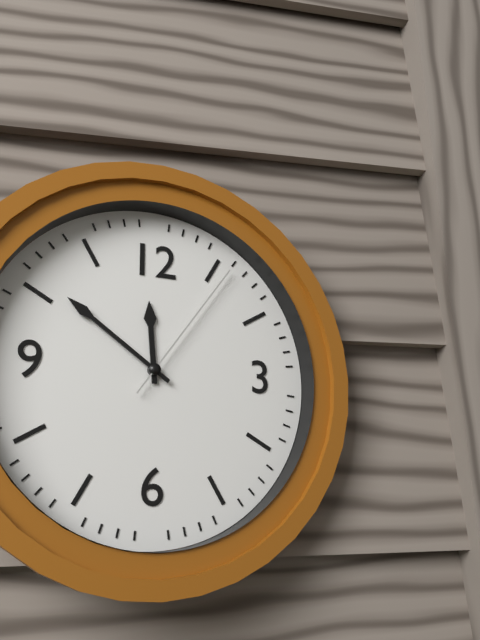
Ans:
11h51m06s
